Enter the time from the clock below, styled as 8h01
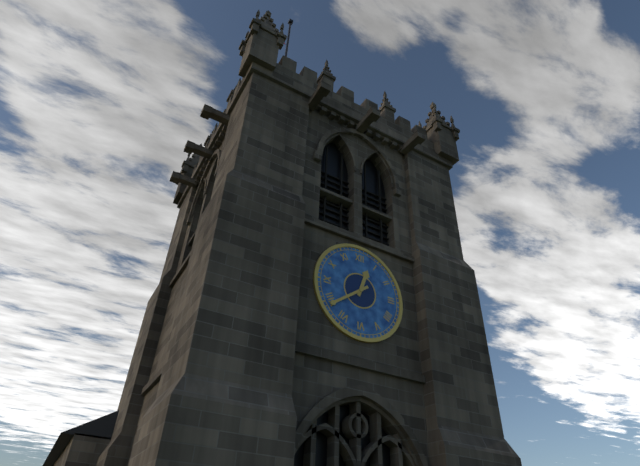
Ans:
12h39
